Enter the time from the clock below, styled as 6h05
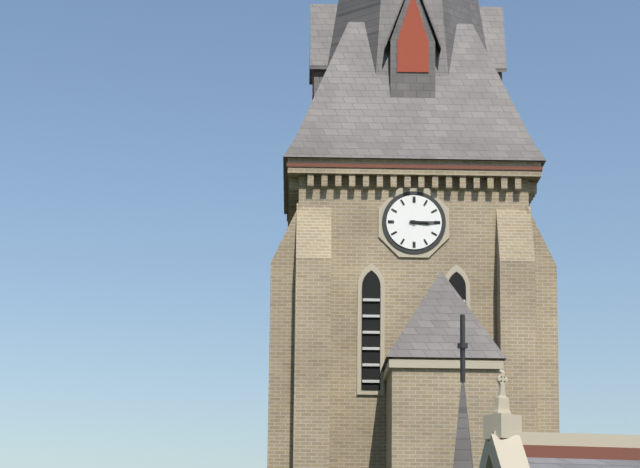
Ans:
3h15
